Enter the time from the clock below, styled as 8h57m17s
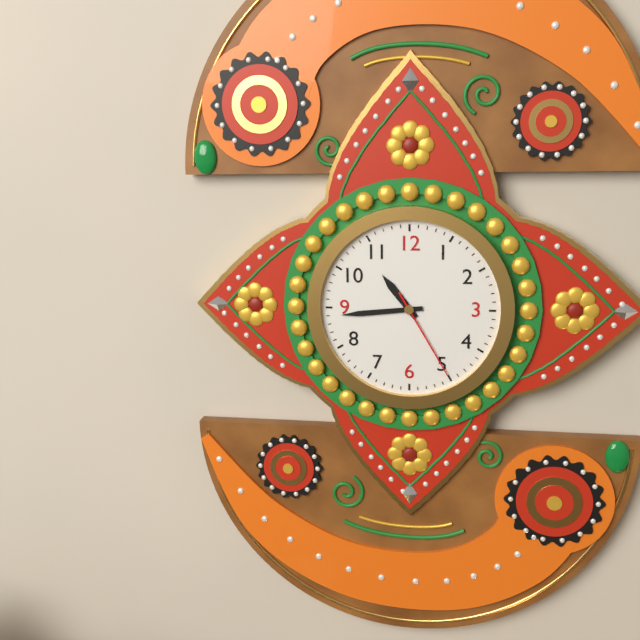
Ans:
10h44m25s
